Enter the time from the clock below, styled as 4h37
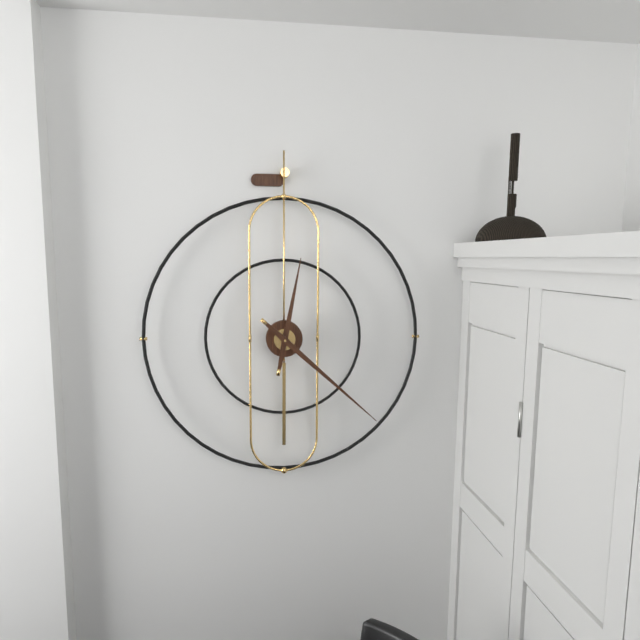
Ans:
12h22
